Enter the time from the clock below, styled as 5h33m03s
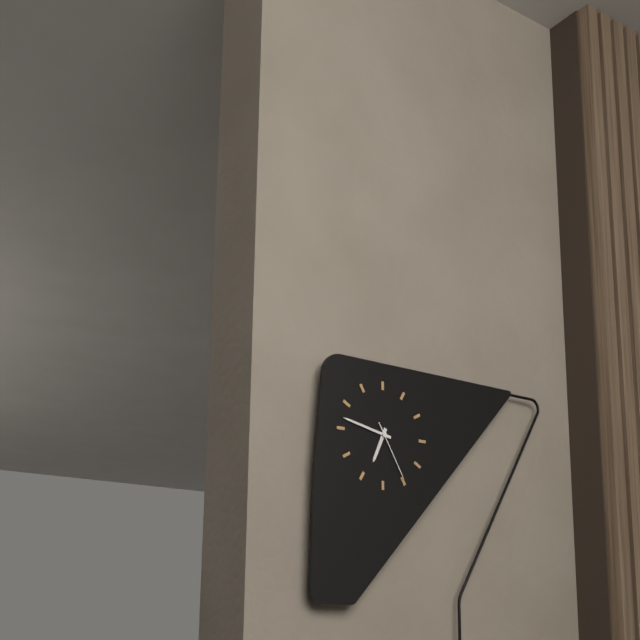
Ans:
6h47m25s
